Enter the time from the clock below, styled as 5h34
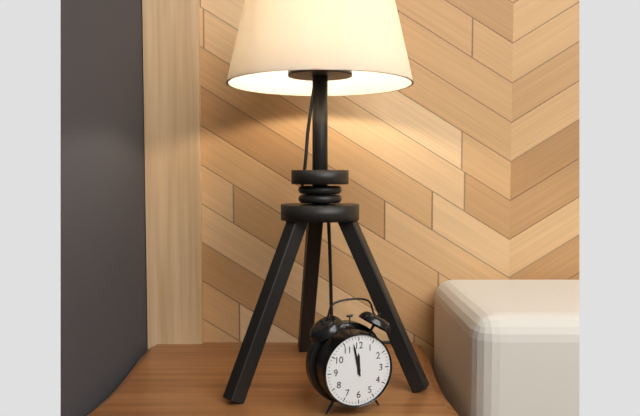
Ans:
11h58
